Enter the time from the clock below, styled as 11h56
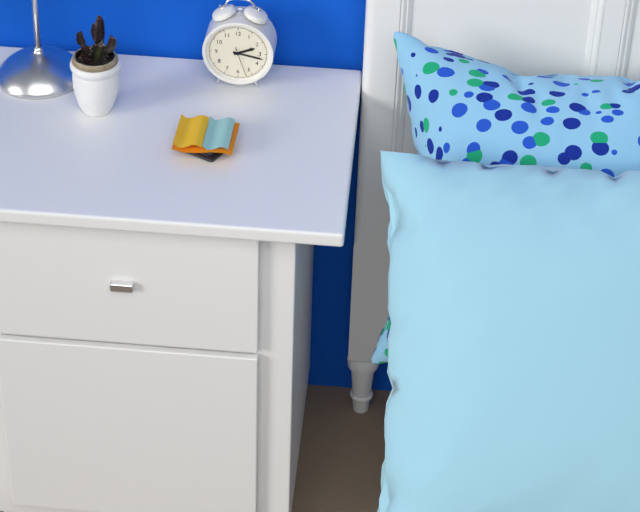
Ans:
2h17
